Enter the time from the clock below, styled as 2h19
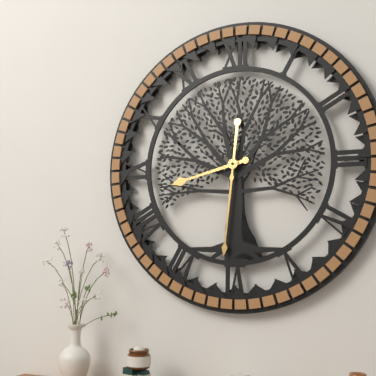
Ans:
8h31
